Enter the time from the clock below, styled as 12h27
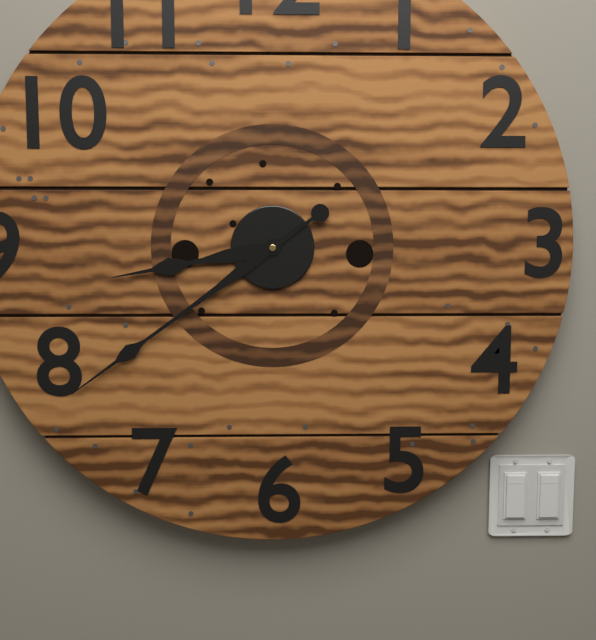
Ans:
8h39
